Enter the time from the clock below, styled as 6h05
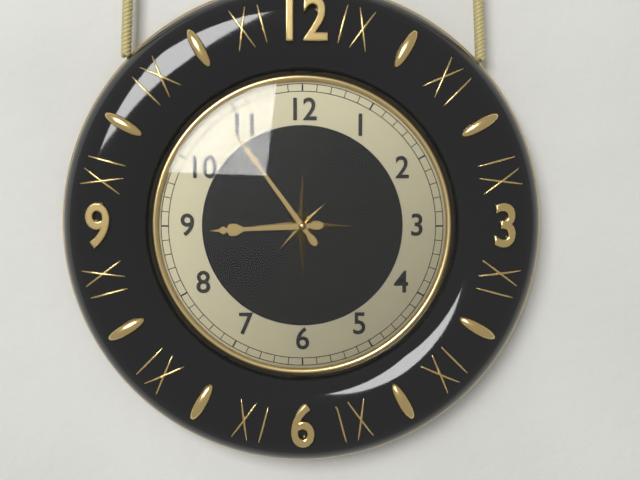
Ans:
8h54
